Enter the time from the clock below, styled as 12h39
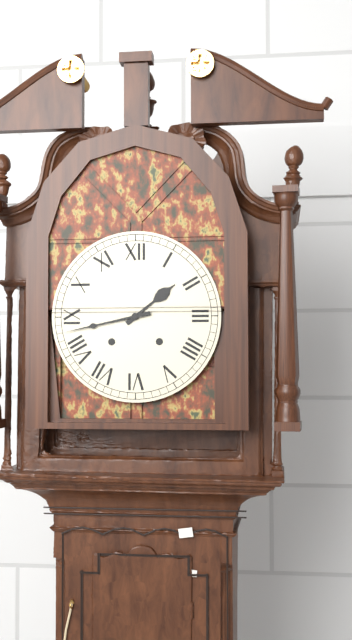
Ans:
1h43
